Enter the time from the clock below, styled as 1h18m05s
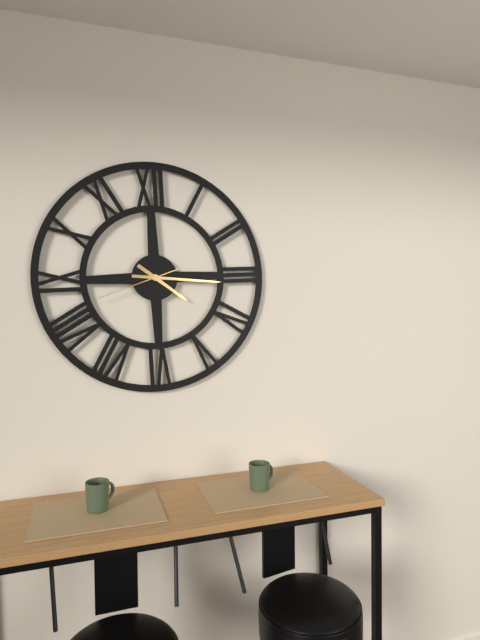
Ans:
4h16m42s
